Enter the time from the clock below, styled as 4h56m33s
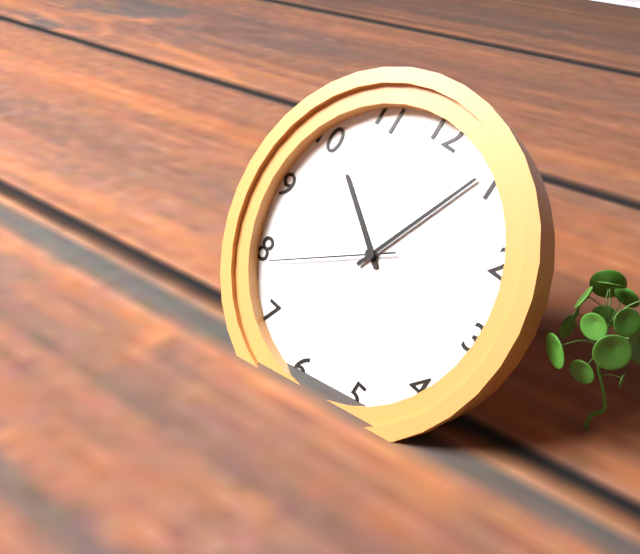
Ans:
10h04m39s
